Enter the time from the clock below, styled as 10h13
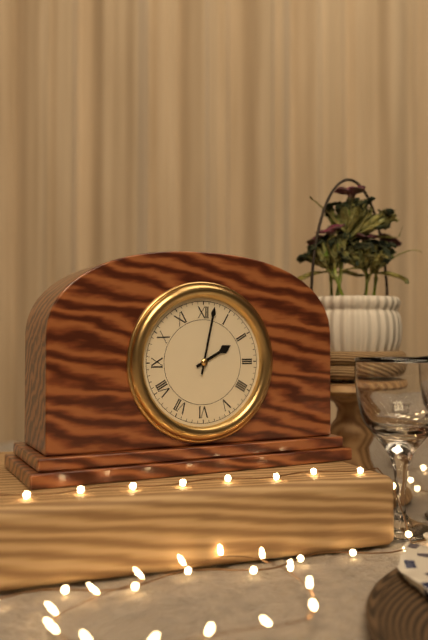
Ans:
2h02
